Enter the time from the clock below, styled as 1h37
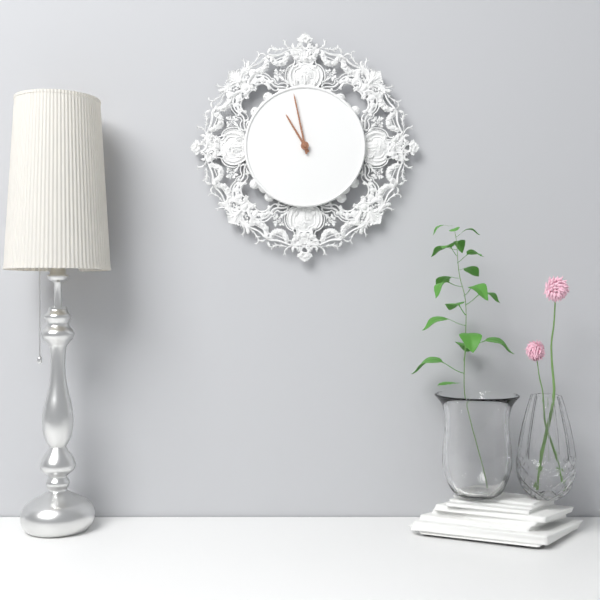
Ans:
10h58
